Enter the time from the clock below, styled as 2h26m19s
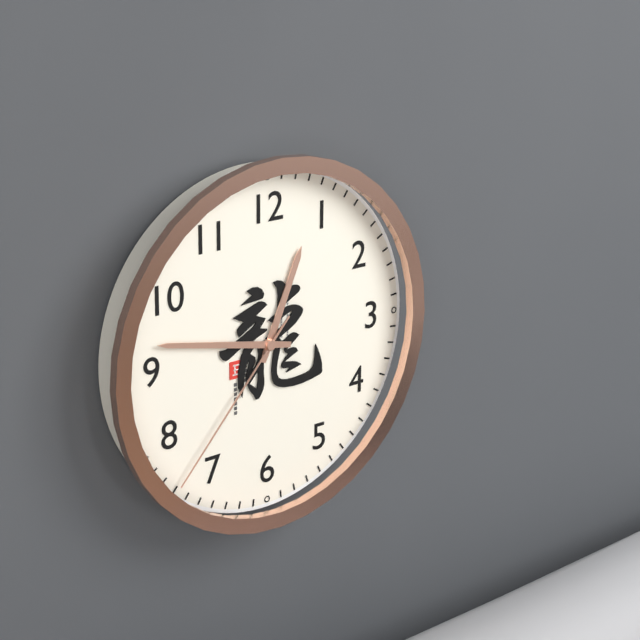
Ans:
12h47m37s
